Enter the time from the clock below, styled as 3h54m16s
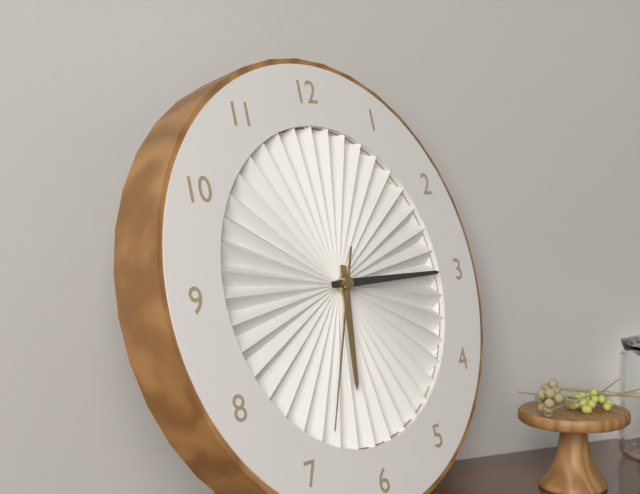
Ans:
6h15m34s
